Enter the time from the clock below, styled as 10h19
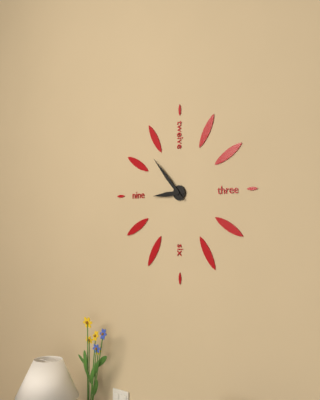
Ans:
8h53
